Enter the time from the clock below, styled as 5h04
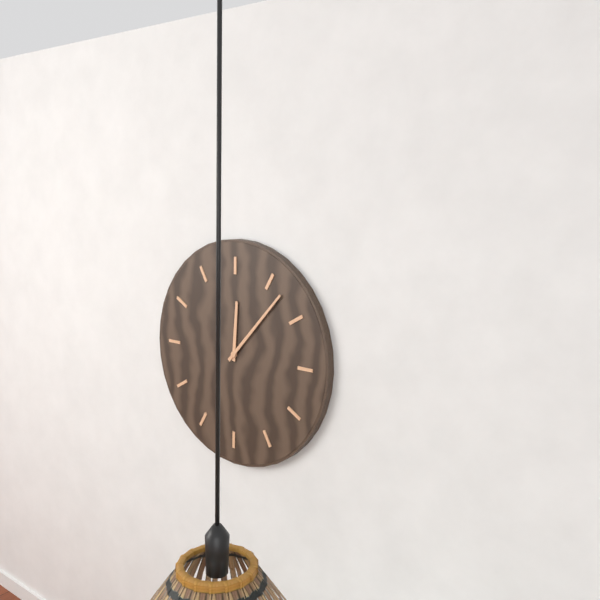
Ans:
12h07
